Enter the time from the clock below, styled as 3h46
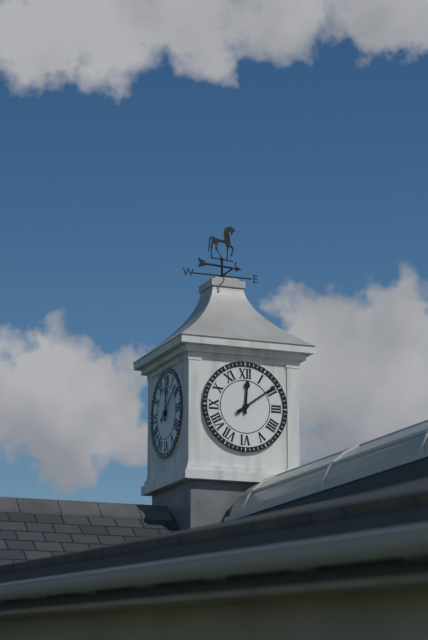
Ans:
12h09
